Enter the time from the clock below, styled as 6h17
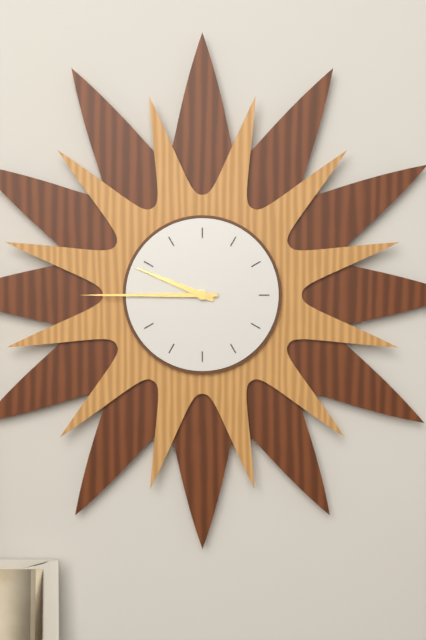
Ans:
9h45
